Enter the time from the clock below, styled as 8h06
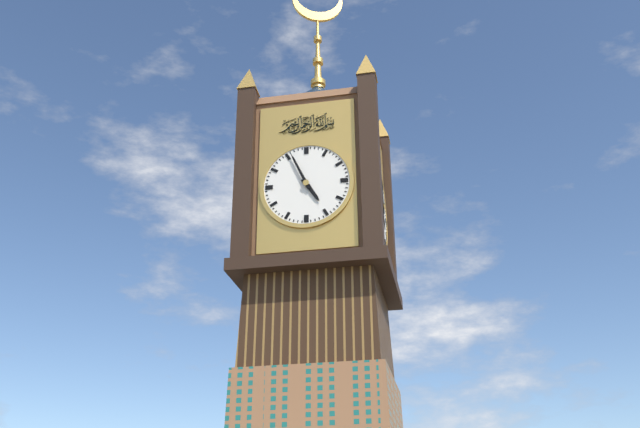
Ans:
4h56
